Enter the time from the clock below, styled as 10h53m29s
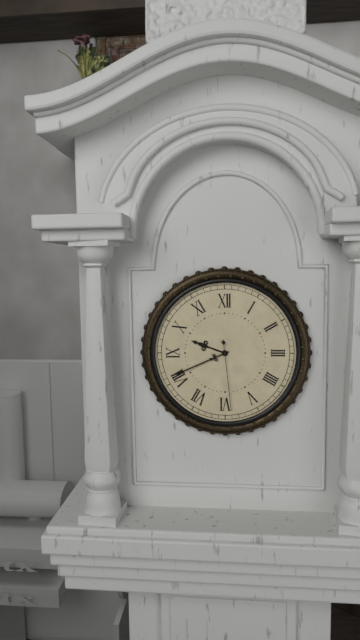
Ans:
9h41m29s
